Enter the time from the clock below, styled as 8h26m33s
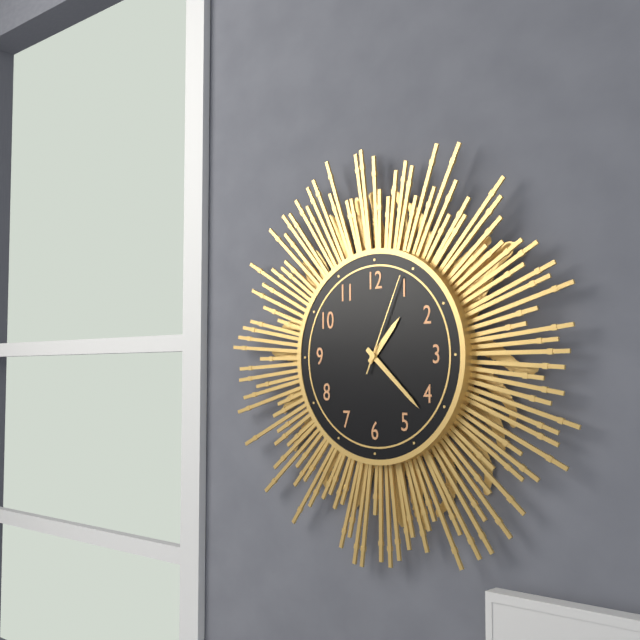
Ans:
1h22m04s
